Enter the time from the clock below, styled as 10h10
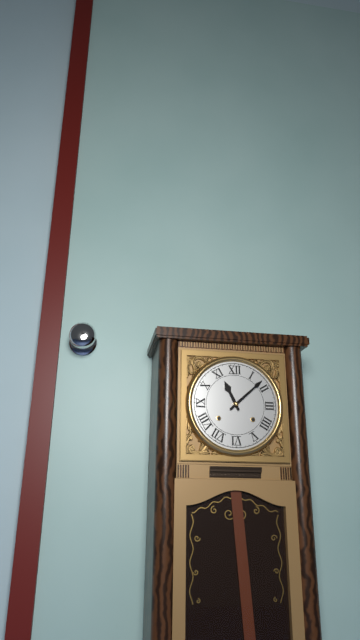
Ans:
11h08
